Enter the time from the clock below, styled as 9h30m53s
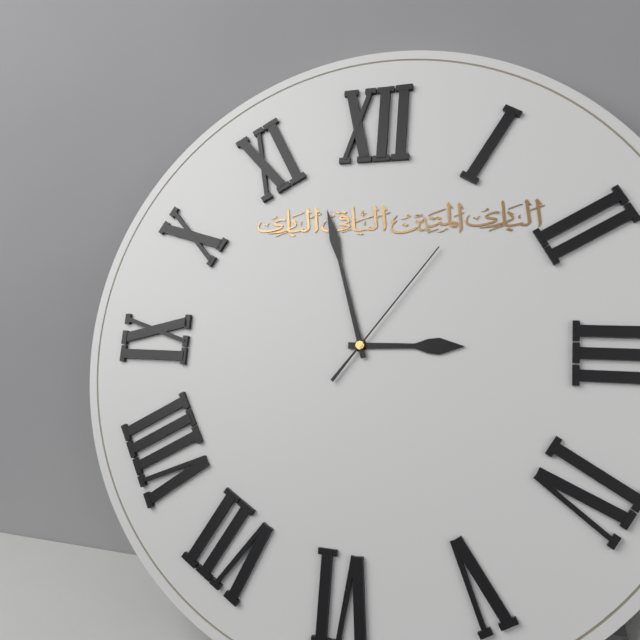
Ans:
2h57m06s
